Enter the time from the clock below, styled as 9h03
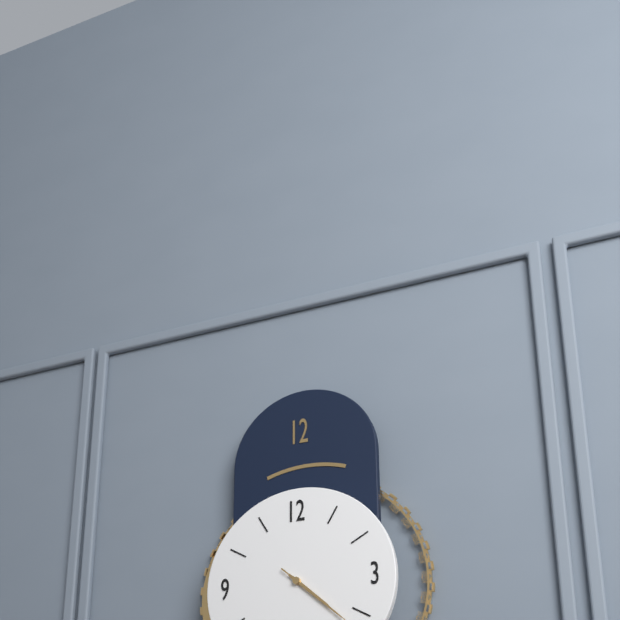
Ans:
4h22
